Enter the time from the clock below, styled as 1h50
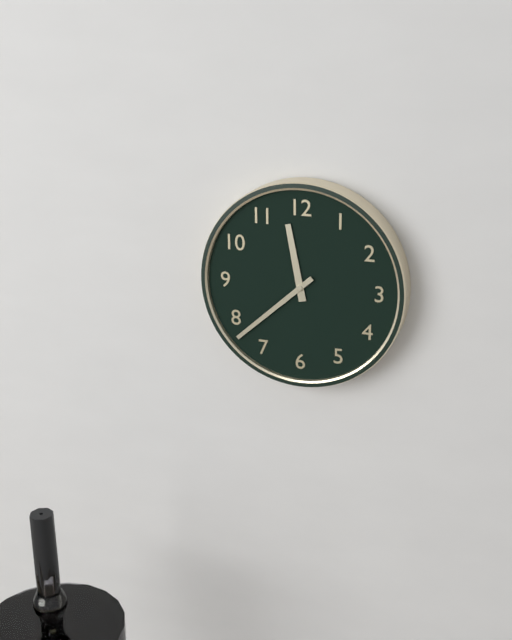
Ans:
11h38
